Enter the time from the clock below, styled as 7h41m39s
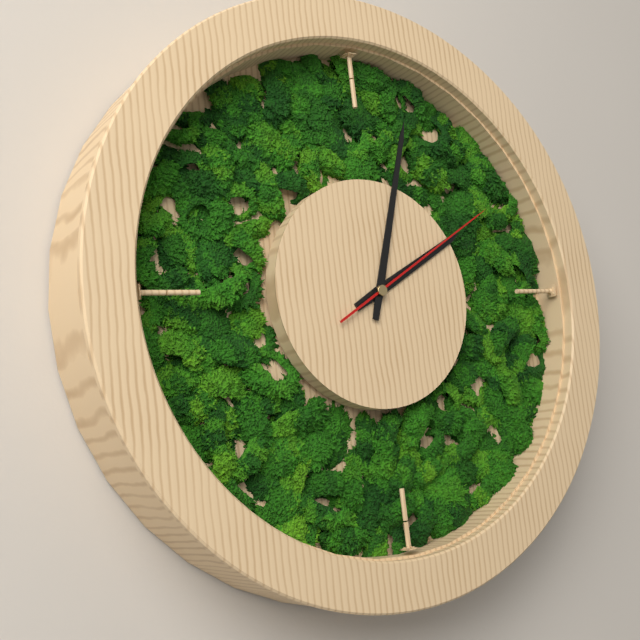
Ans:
2h03m10s
